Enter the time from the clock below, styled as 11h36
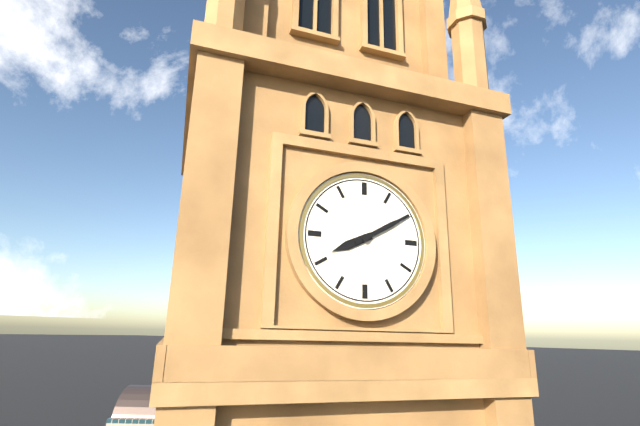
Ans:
8h10
